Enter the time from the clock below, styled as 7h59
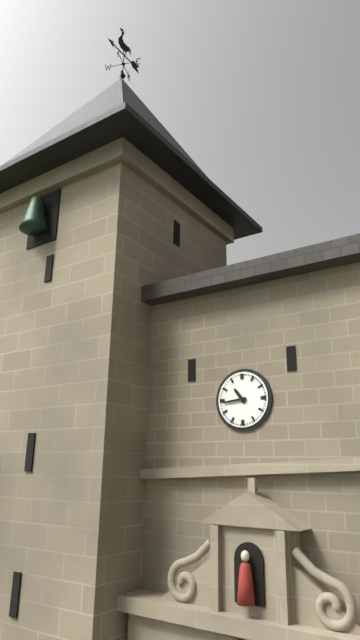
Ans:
10h44
